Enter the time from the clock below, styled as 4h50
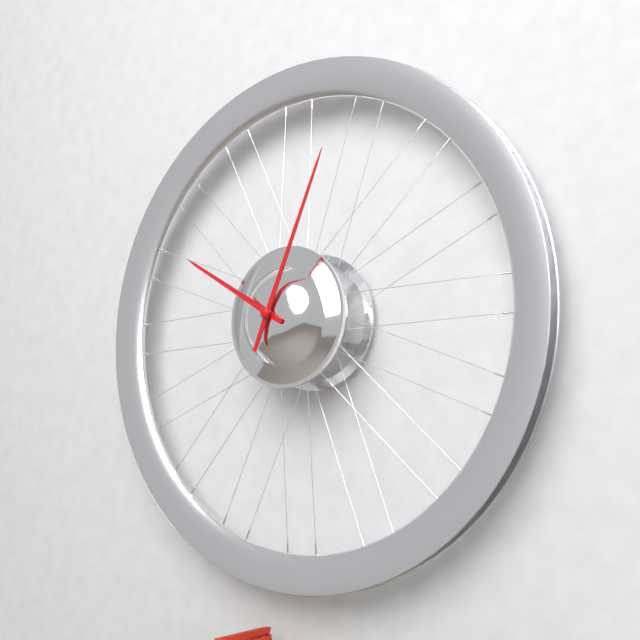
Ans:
10h04
